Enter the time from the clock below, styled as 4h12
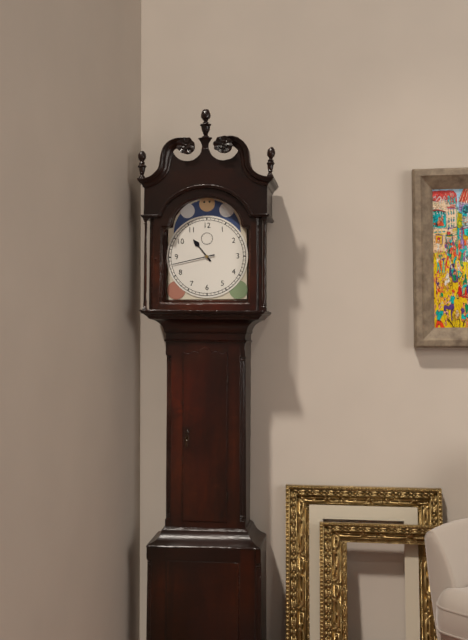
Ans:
10h43
